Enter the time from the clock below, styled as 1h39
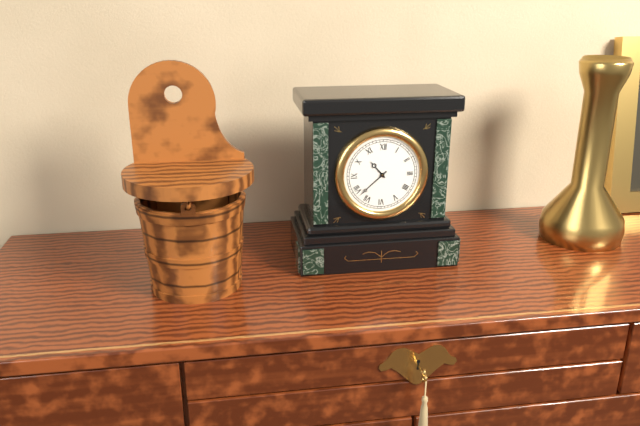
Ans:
10h38
